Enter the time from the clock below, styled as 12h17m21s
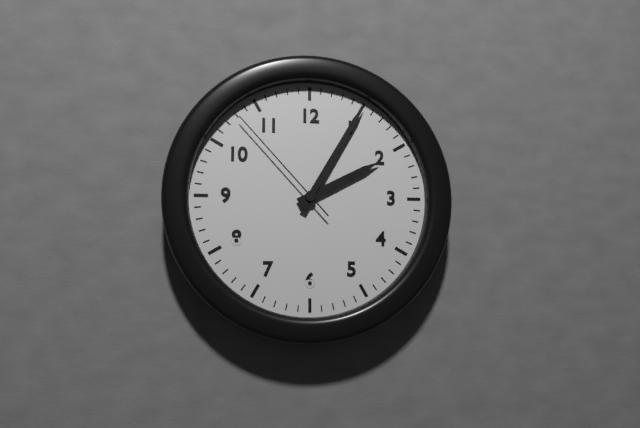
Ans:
2h05m53s
